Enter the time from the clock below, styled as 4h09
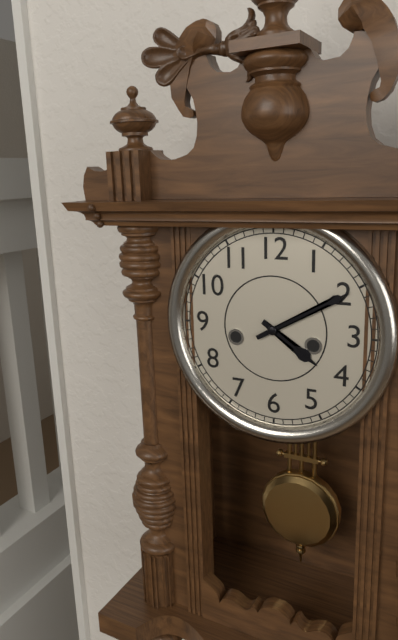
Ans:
4h10
